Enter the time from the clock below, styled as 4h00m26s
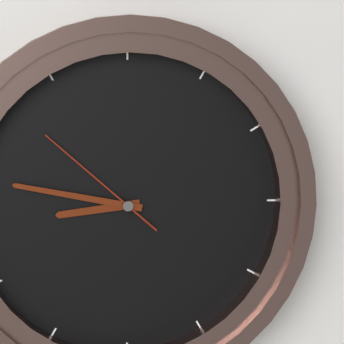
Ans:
8h47m52s
